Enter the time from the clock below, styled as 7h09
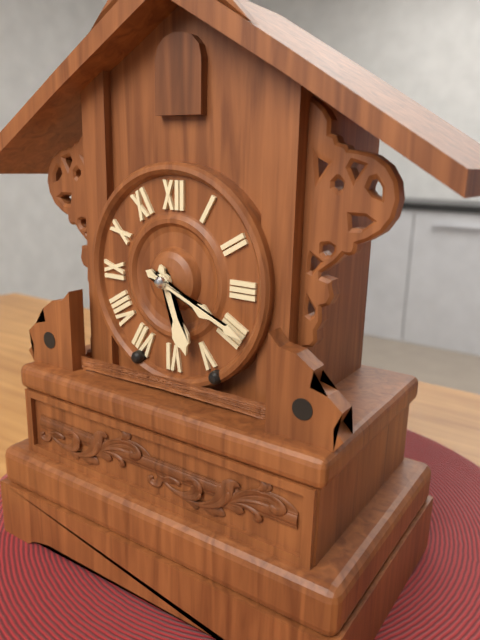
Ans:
5h19
